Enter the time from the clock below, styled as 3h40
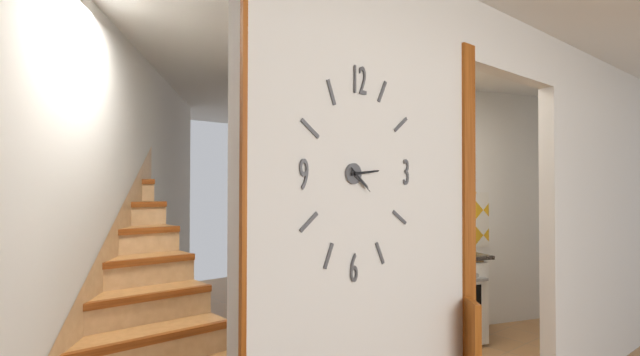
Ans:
4h14
